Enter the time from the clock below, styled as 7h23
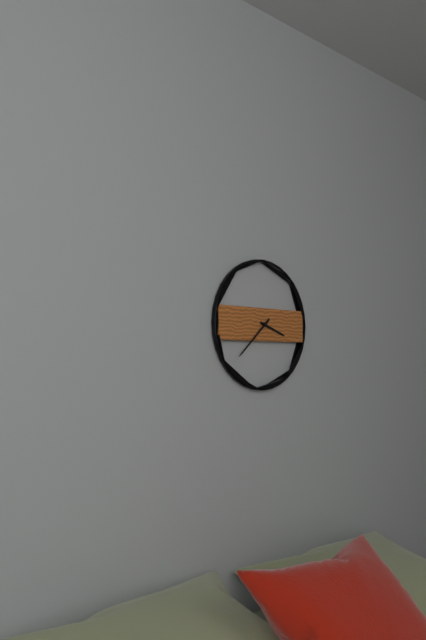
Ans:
3h38
